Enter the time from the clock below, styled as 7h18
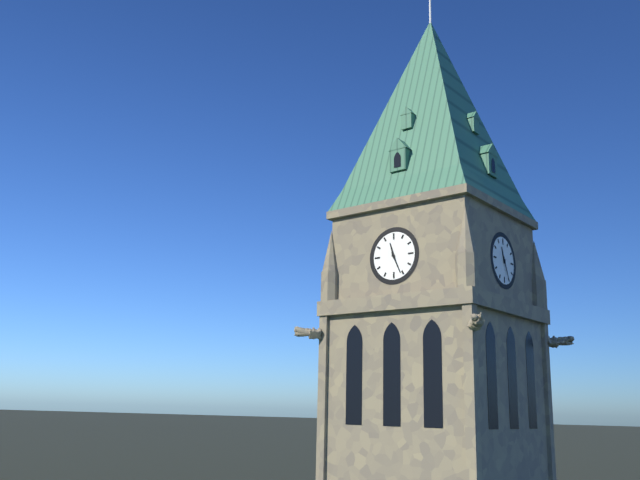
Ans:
11h26
